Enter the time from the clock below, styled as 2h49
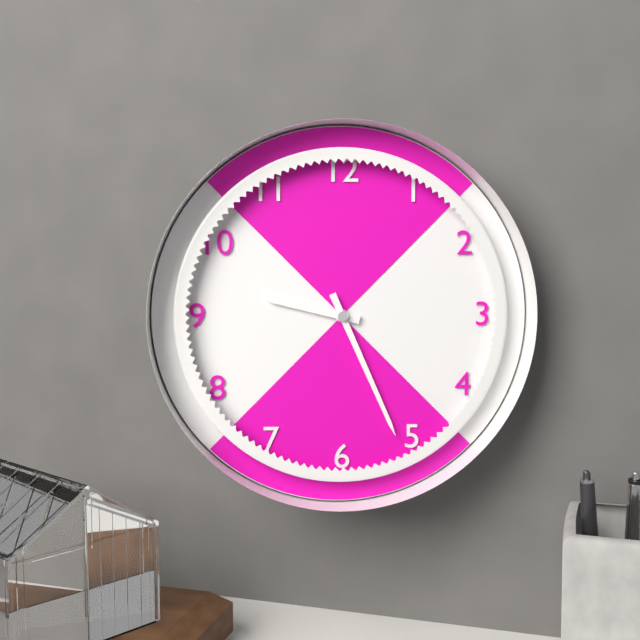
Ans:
9h26
